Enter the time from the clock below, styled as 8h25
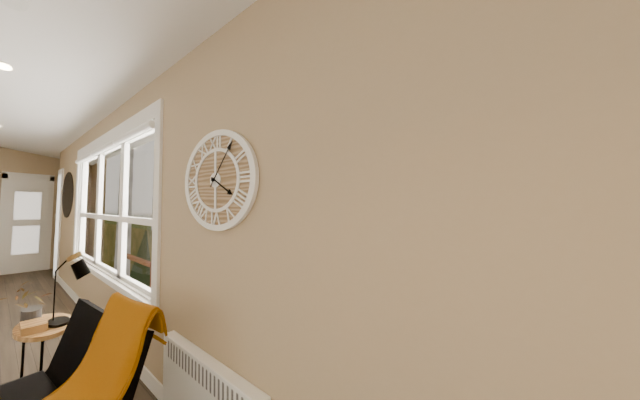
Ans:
4h06
